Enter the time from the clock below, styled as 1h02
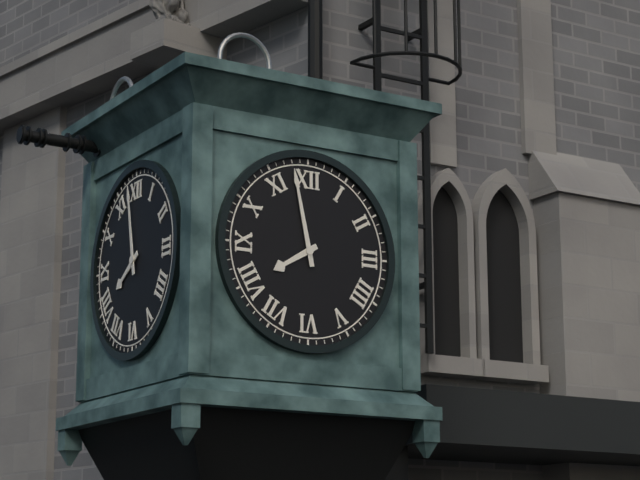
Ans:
7h58
